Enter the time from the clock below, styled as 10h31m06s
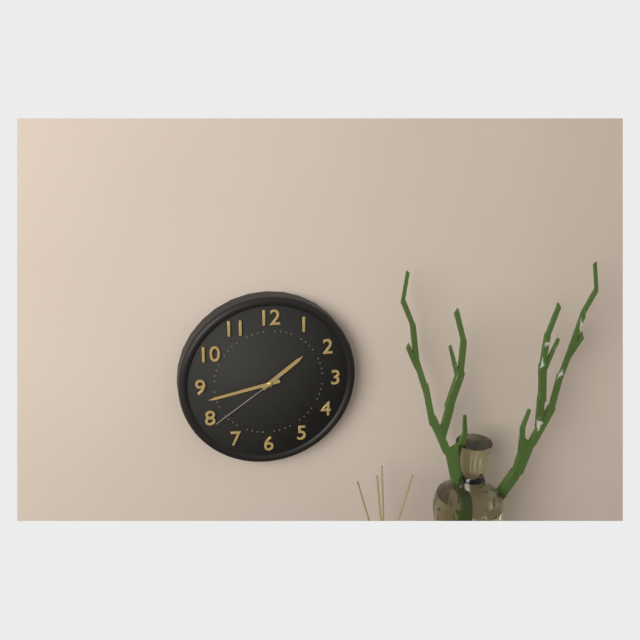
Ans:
1h43m39s
